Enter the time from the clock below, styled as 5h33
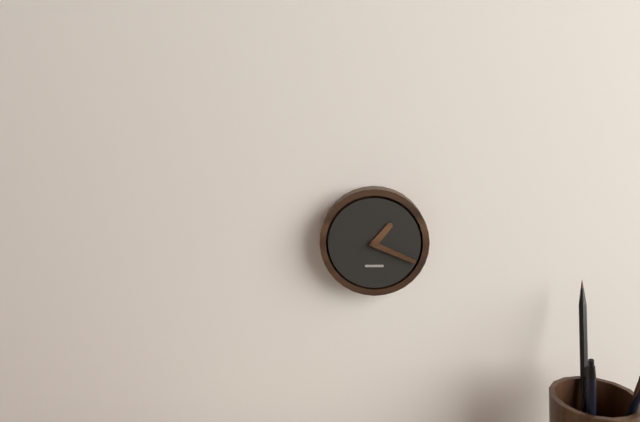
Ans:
1h19
